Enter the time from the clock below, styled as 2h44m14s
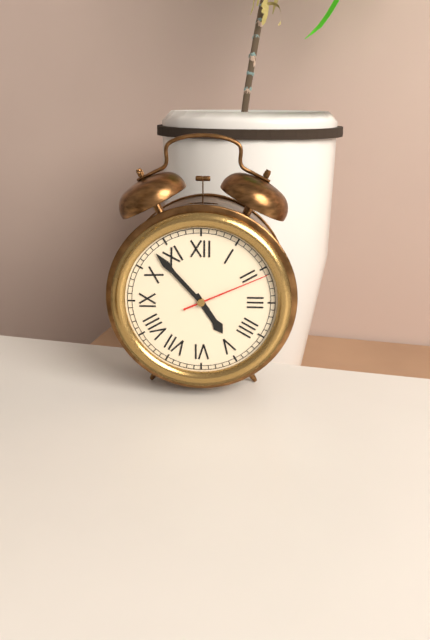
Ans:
4h53m11s
